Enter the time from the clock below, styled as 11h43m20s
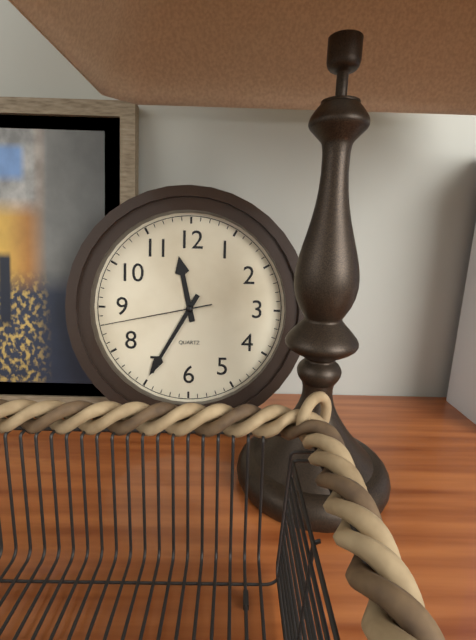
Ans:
11h35m43s
